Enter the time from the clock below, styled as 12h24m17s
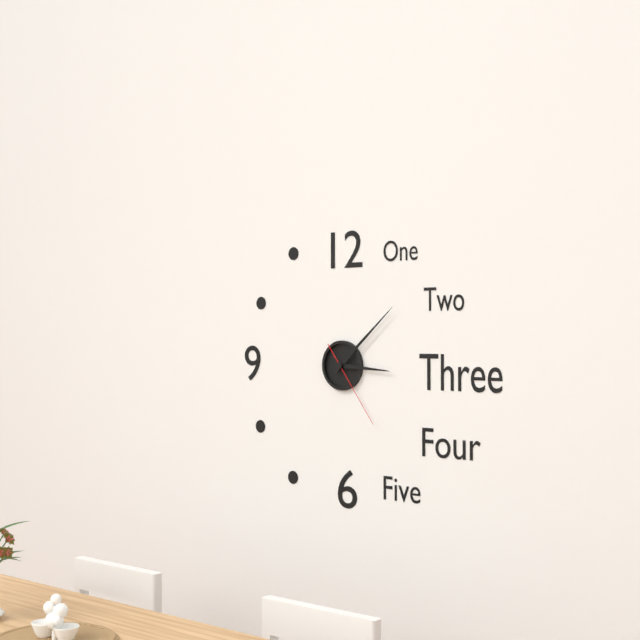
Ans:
3h08m24s
